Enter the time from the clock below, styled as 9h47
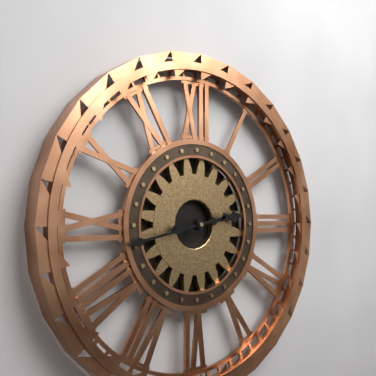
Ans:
2h43
